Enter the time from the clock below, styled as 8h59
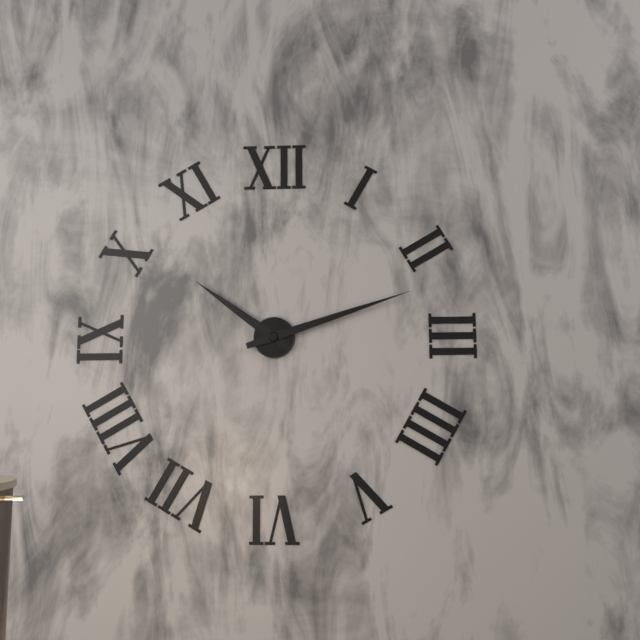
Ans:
10h12
